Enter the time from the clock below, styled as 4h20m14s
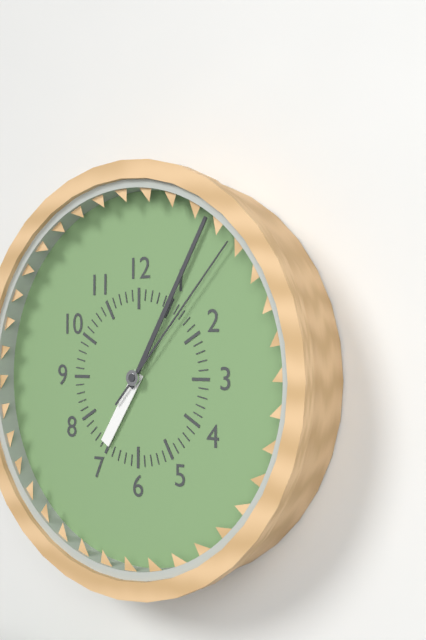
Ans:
7h05m07s
